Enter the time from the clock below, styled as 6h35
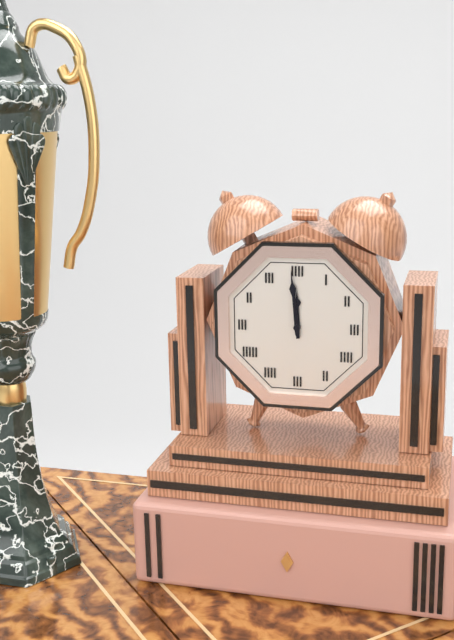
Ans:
11h59
